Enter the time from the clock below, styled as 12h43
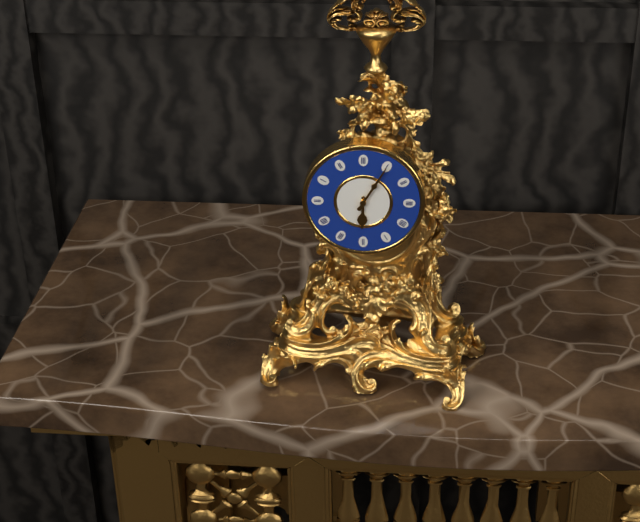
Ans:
6h05
